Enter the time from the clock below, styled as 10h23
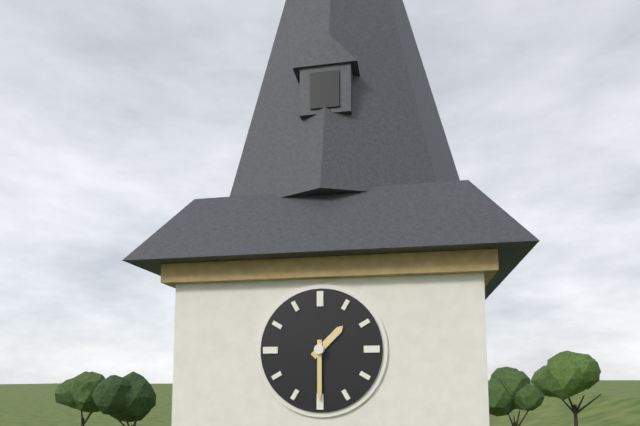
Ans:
1h30
